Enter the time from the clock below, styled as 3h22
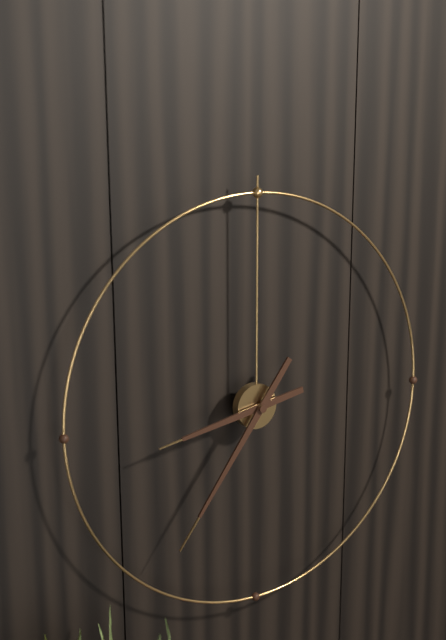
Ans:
8h36
